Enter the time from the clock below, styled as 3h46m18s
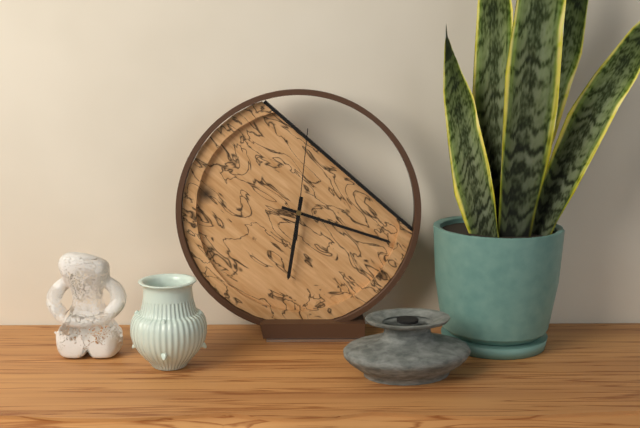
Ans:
6h18m01s
